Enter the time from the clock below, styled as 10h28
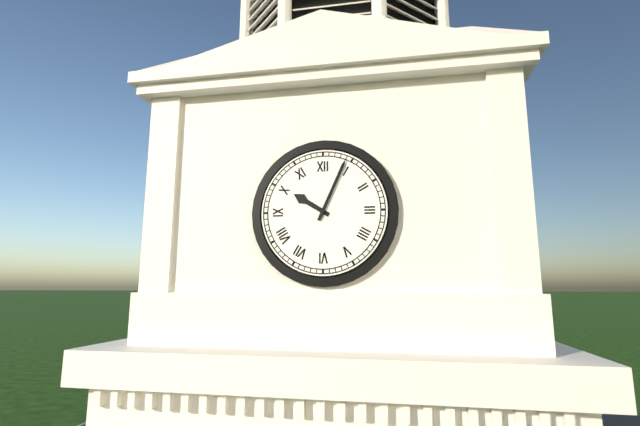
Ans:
10h04
